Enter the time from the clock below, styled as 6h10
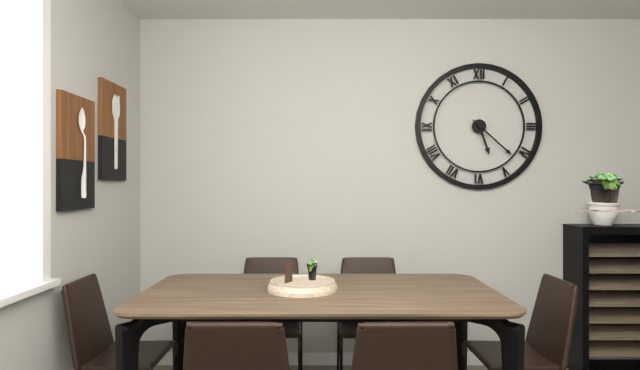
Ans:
5h22
